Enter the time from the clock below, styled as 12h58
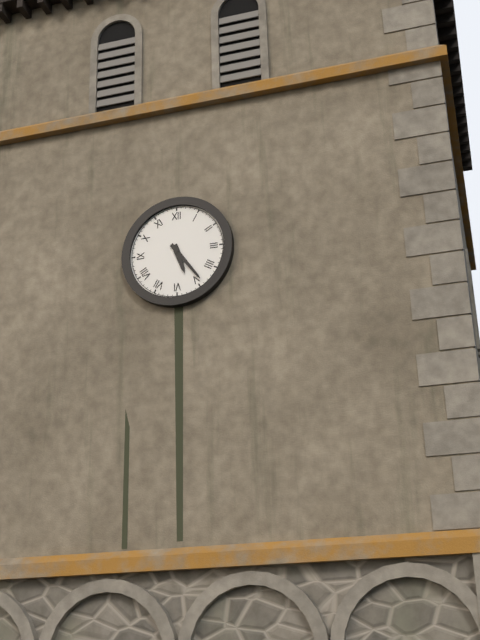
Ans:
5h24
